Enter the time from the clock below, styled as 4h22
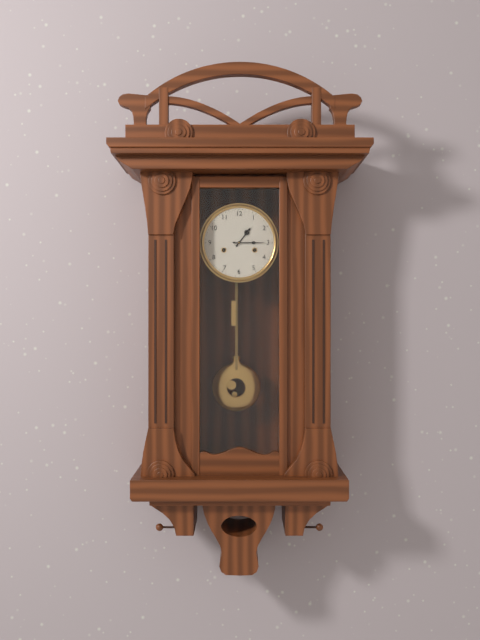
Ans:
1h15
